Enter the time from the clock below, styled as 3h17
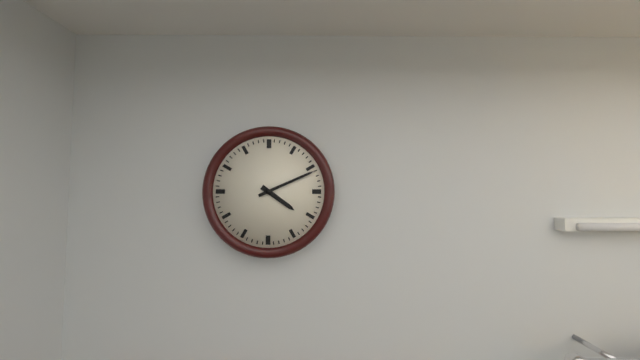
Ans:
4h11
